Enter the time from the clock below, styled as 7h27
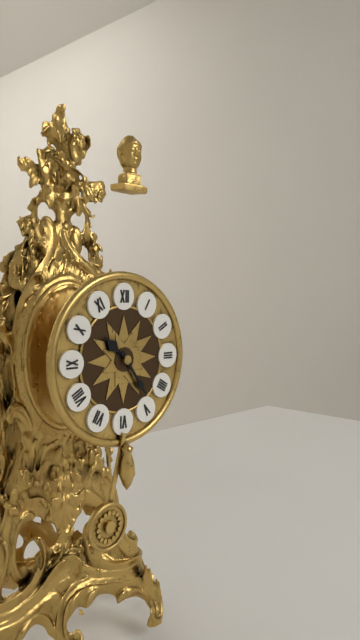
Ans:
10h24
